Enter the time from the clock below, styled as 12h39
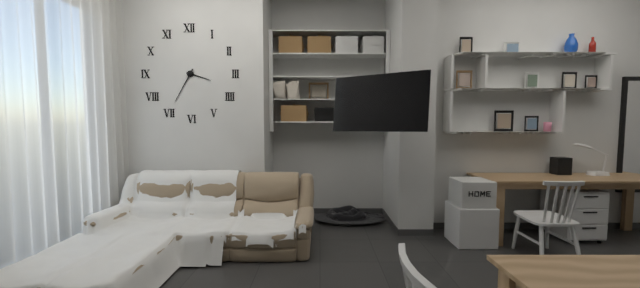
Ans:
3h35
